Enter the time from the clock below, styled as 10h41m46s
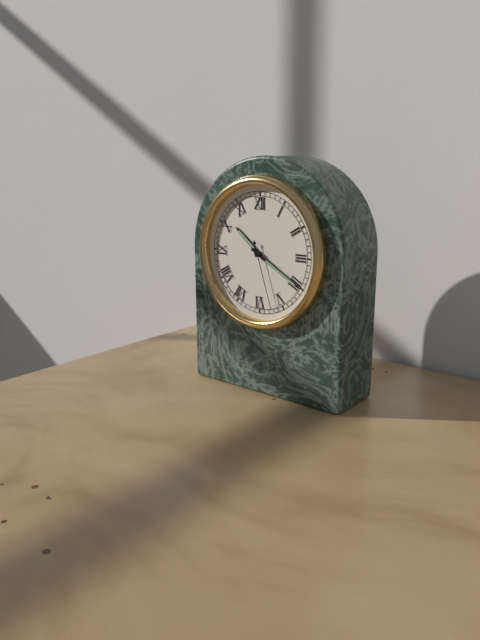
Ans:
10h20m27s
